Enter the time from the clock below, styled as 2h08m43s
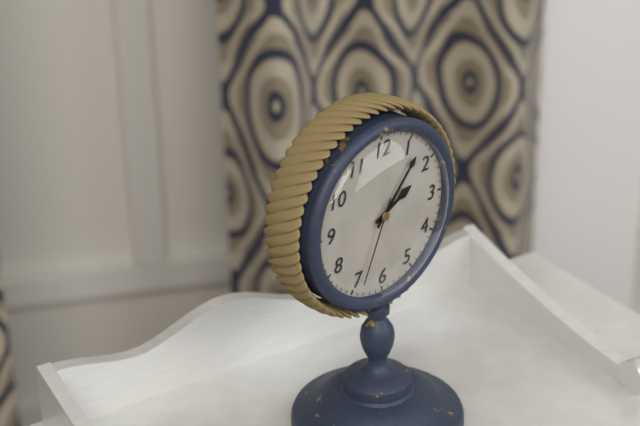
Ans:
2h07m34s
